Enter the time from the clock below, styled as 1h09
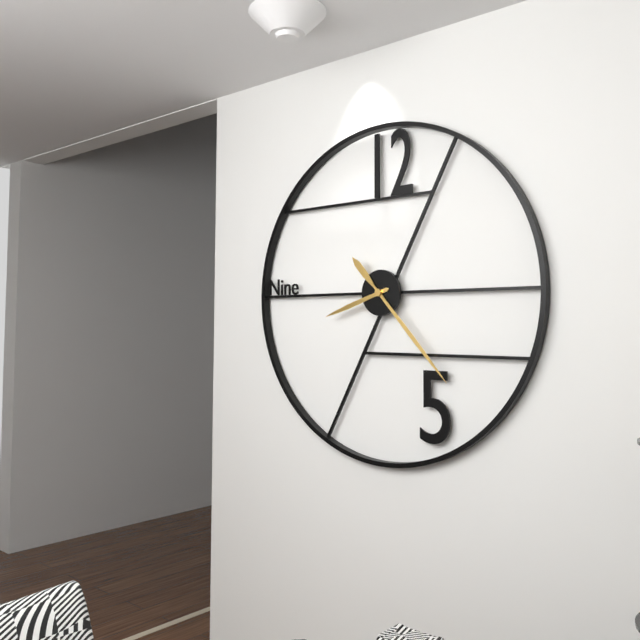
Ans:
8h23
